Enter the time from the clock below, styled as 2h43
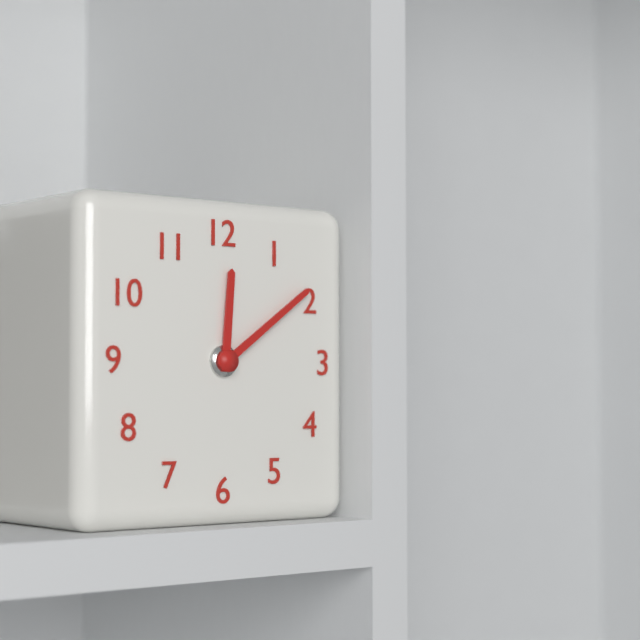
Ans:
12h09
